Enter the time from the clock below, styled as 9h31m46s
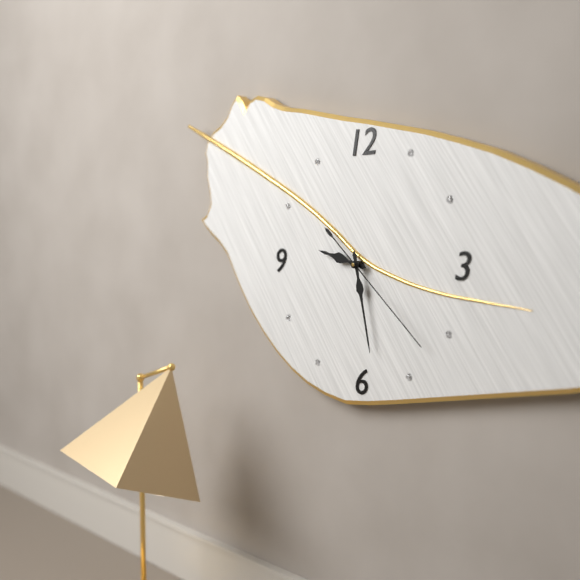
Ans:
9h28m22s
